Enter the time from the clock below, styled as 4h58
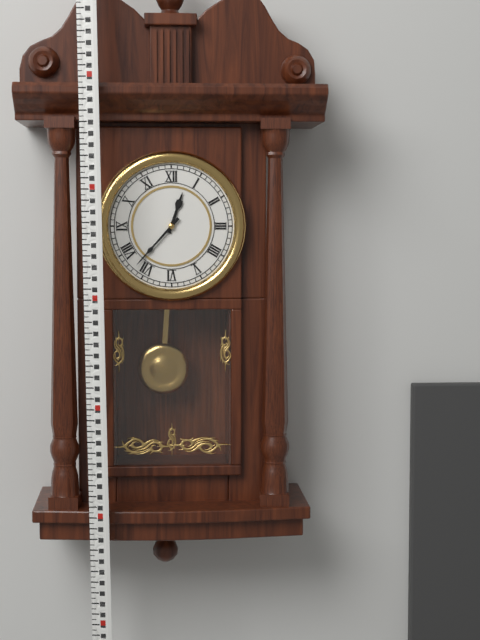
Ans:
12h37
